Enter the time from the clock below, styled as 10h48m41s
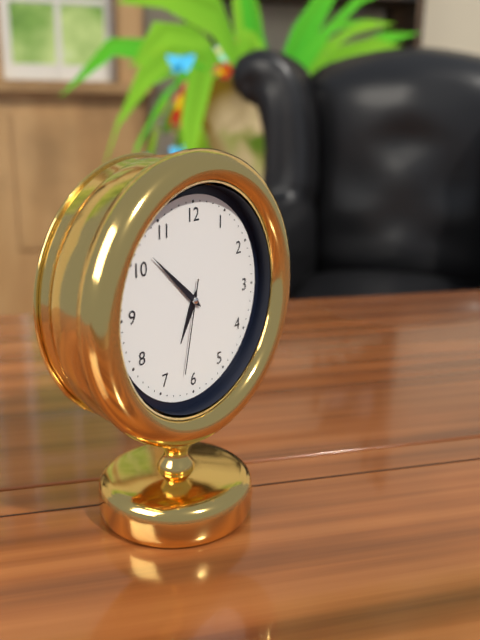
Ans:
6h52m32s
